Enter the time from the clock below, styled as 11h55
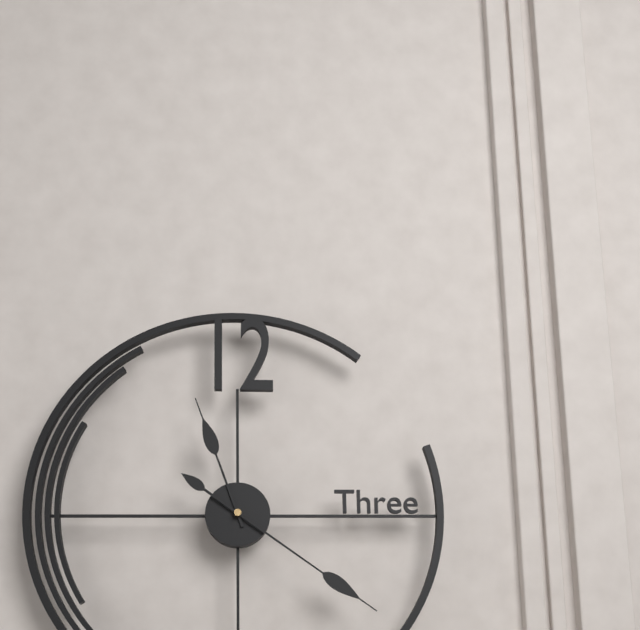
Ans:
11h21
